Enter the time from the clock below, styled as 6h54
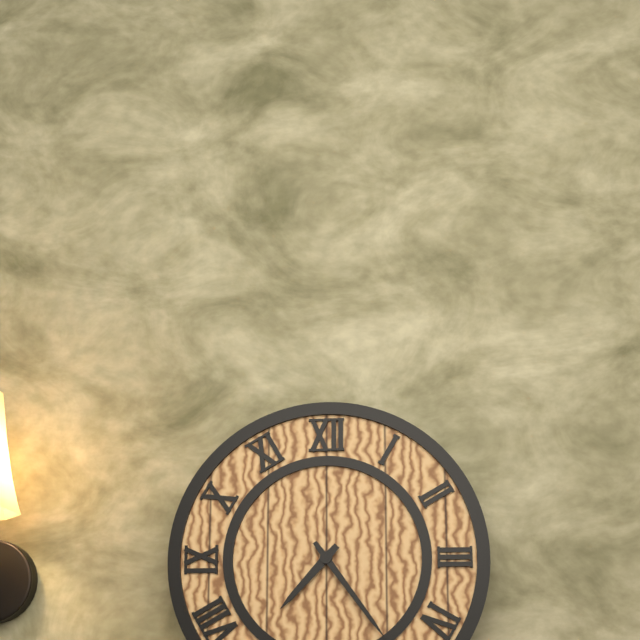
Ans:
7h24
